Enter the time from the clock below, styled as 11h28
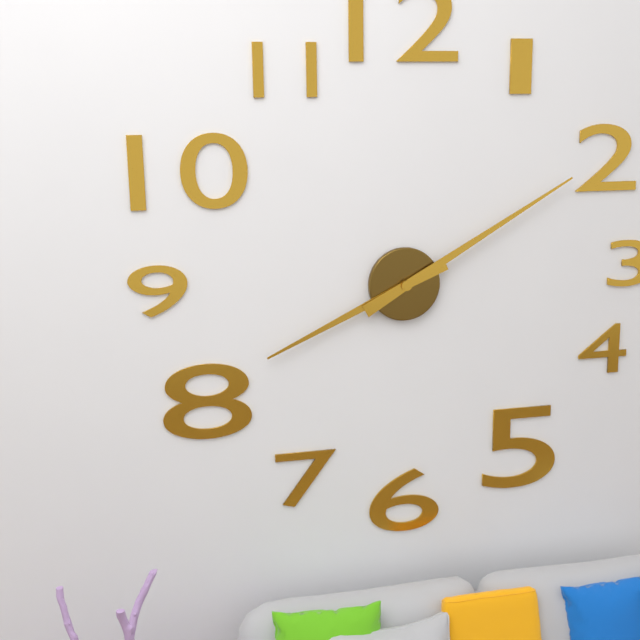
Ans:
8h10
